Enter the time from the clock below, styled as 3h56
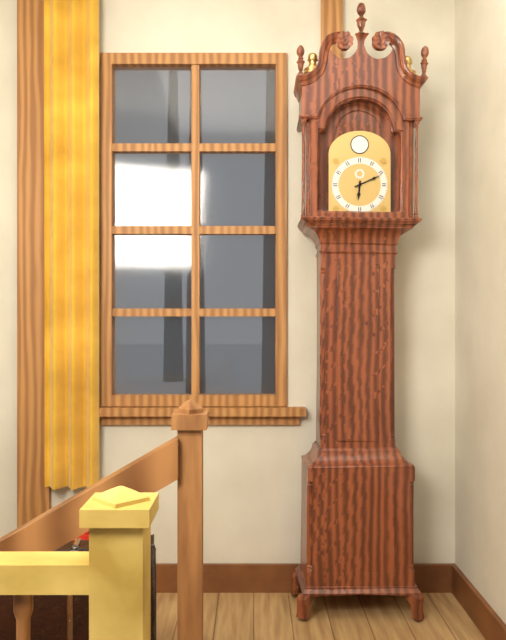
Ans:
6h11
